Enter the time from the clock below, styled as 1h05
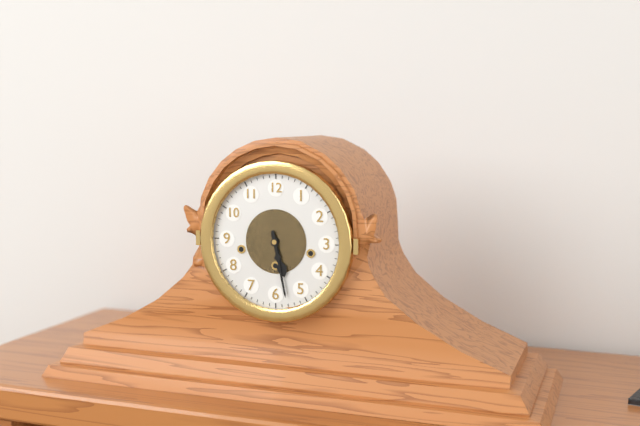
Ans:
5h28
